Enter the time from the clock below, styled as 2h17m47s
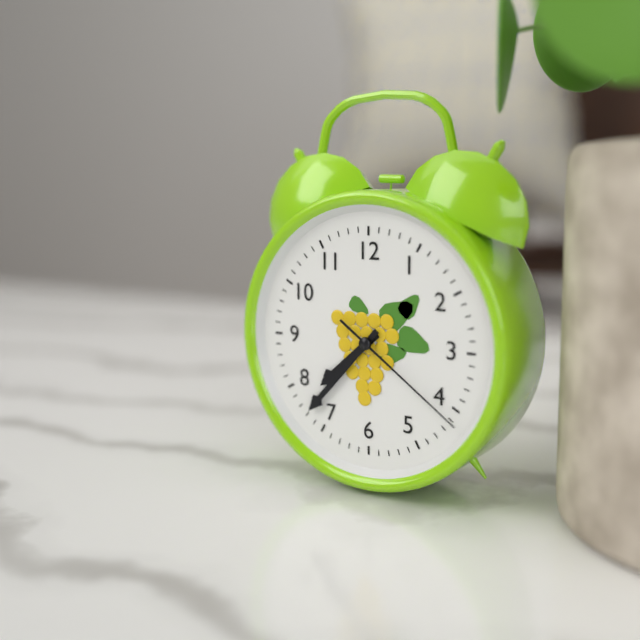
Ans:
7h37m21s
